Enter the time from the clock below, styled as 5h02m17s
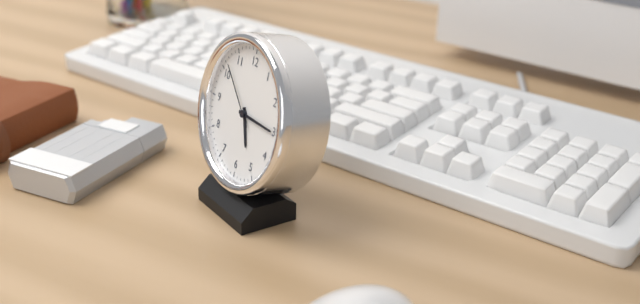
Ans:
5h15m52s
